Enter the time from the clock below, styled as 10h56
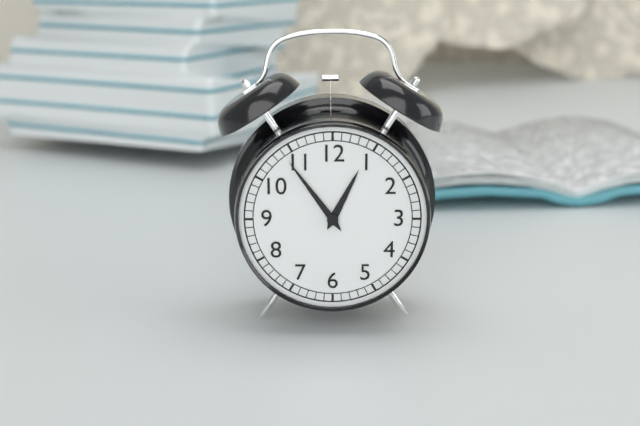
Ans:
12h54
